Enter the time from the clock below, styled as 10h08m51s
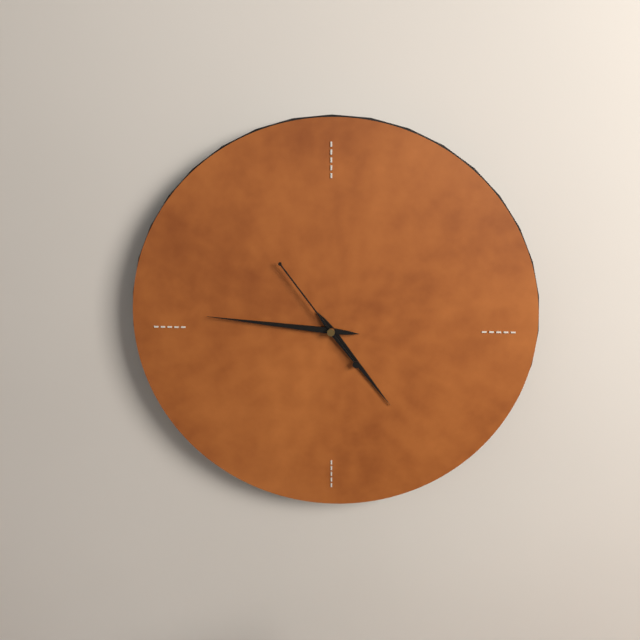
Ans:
4h46m54s
